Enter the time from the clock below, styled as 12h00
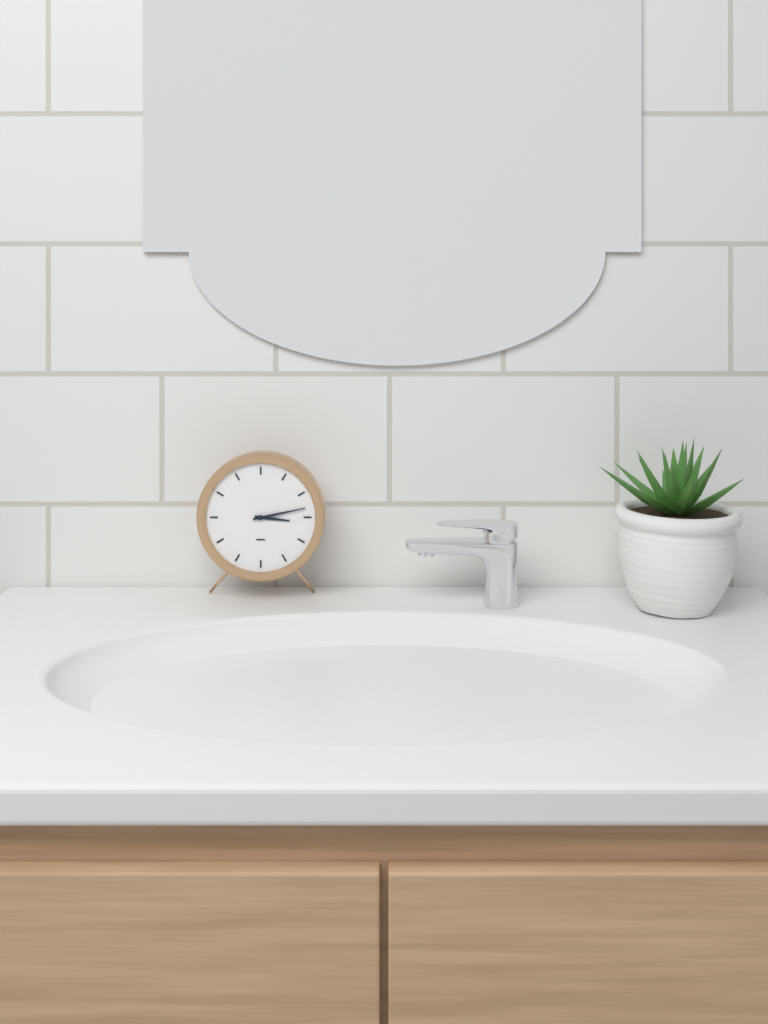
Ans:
3h13
